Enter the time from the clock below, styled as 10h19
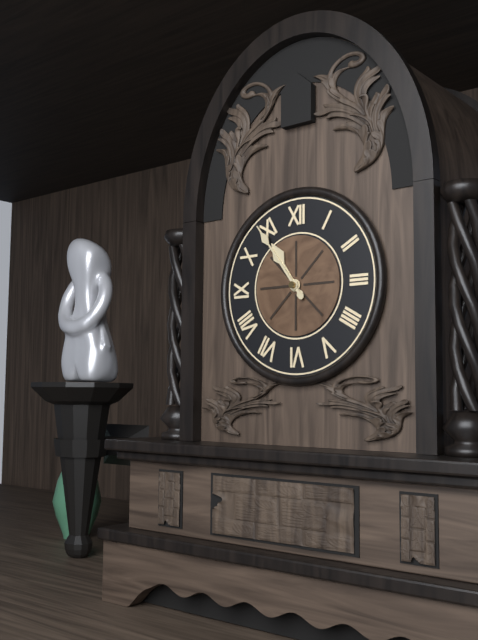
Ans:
10h54
